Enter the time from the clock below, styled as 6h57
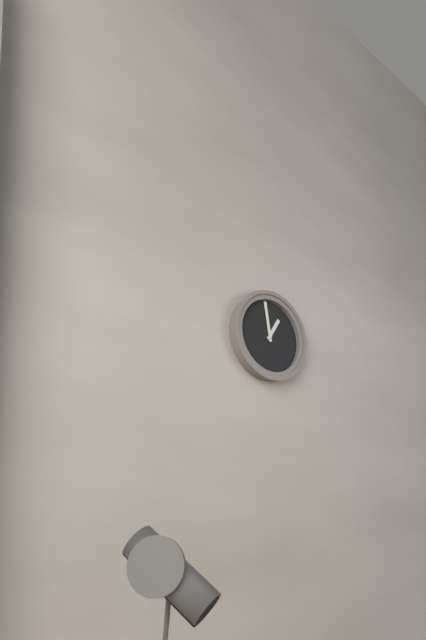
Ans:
12h58
